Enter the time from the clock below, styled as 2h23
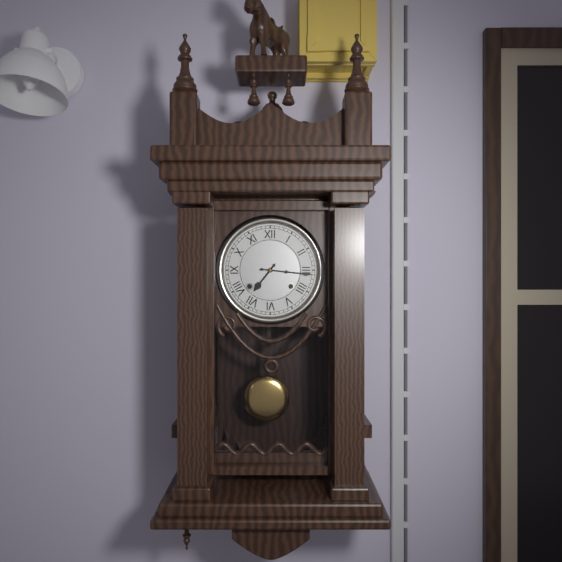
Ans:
7h16
